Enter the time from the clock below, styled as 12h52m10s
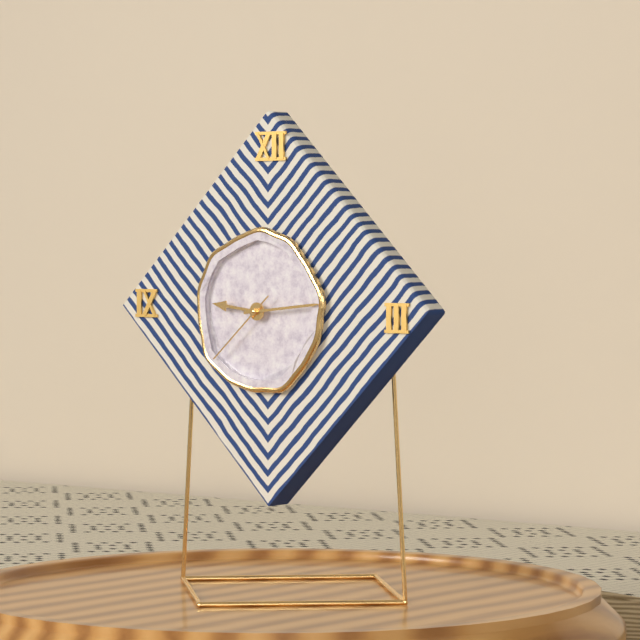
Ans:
9h14m38s
